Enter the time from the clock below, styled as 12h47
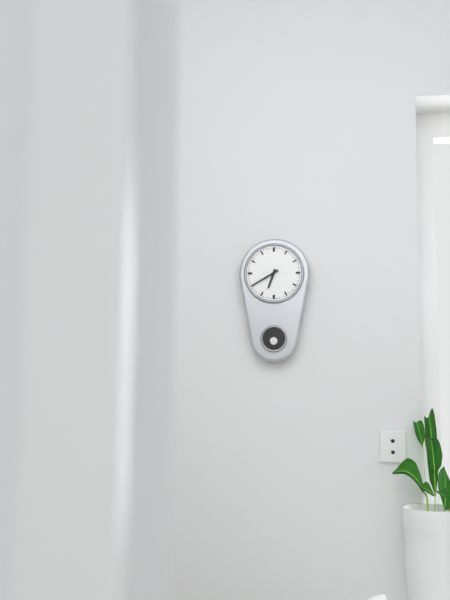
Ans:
6h40
